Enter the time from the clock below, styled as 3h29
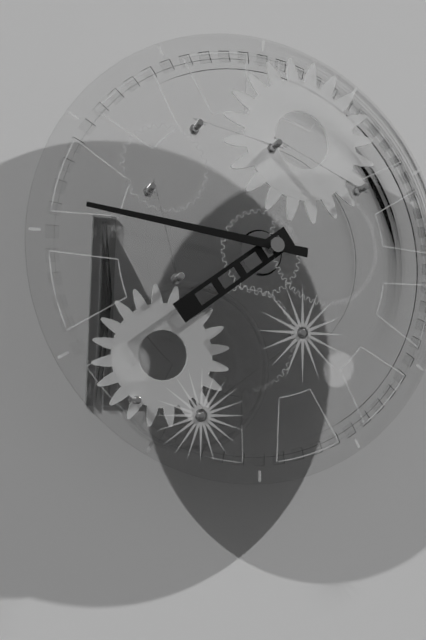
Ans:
7h46
